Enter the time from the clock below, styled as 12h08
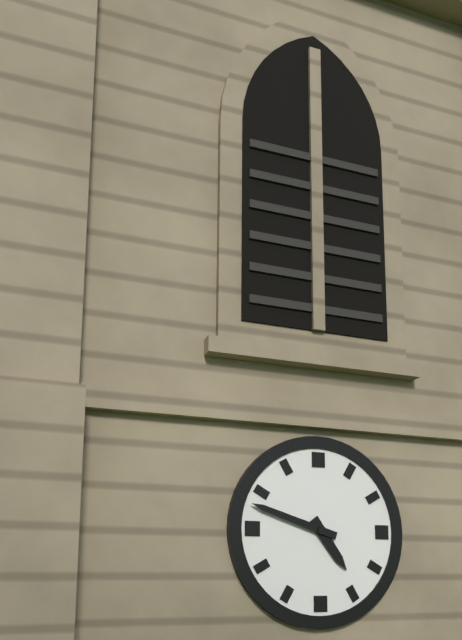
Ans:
4h48
